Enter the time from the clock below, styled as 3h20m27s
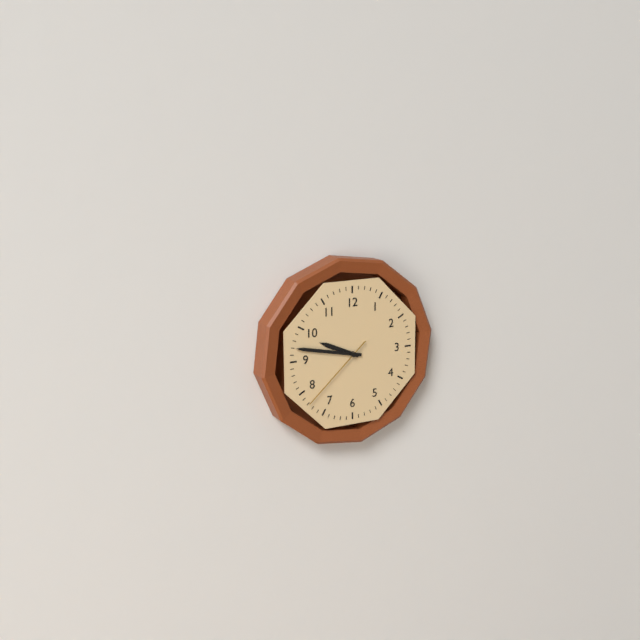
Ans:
9h47m38s
